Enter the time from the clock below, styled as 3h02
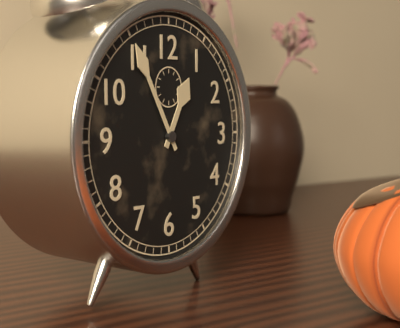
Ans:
12h55
